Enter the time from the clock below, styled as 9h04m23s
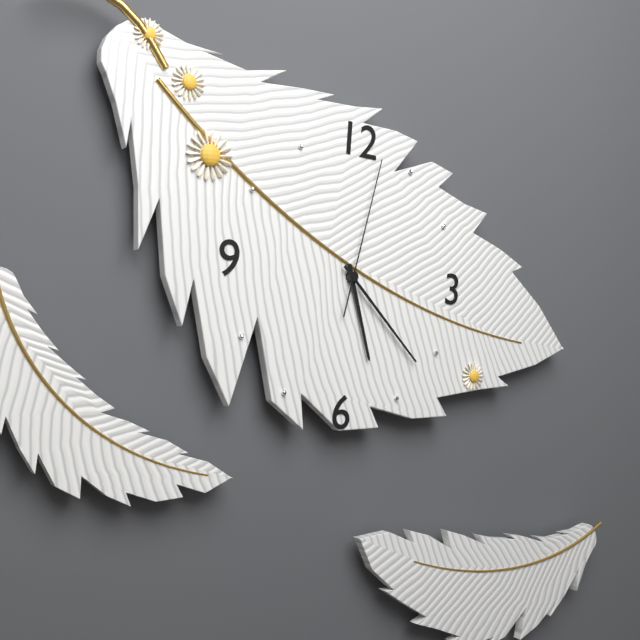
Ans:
5h22m02s
